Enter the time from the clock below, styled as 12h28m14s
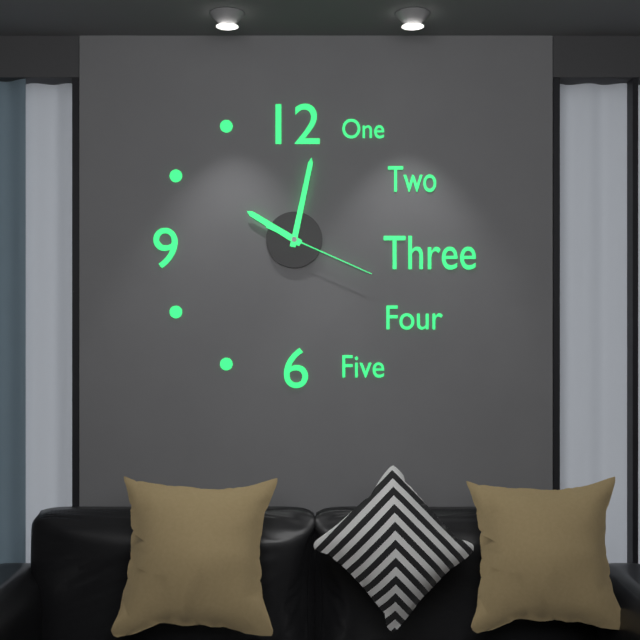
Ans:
10h02m19s
